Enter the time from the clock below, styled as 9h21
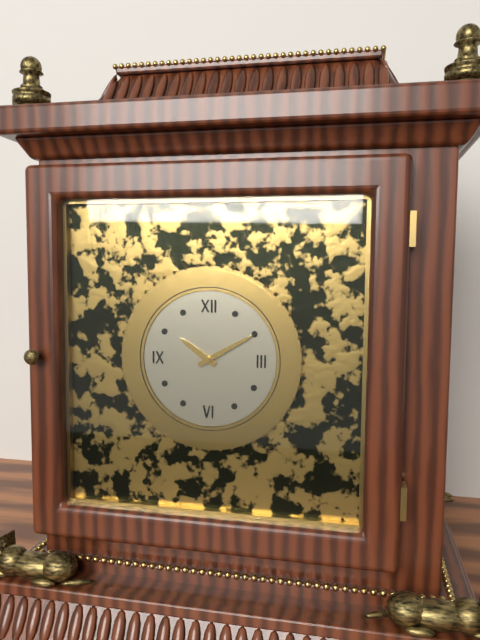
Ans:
10h10
